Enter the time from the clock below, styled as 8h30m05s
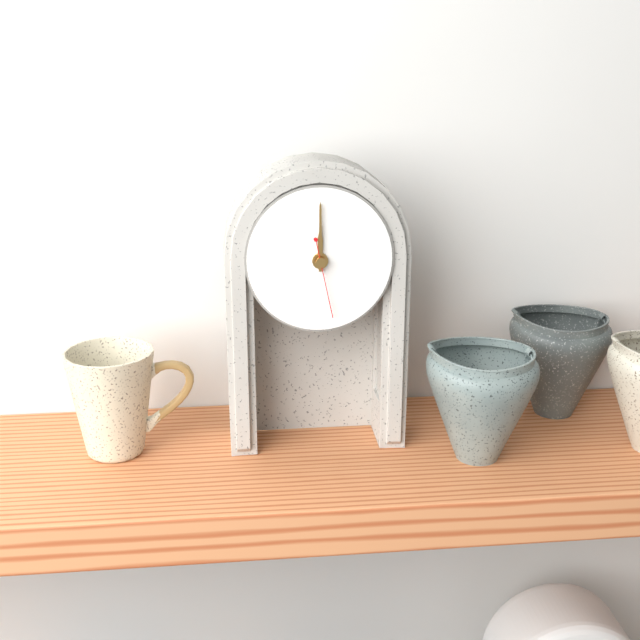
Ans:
12h00m28s
